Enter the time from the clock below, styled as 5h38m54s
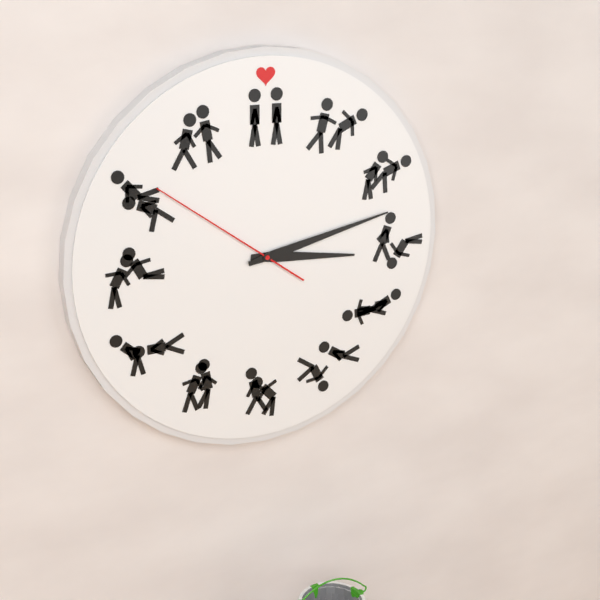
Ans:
3h13m51s
